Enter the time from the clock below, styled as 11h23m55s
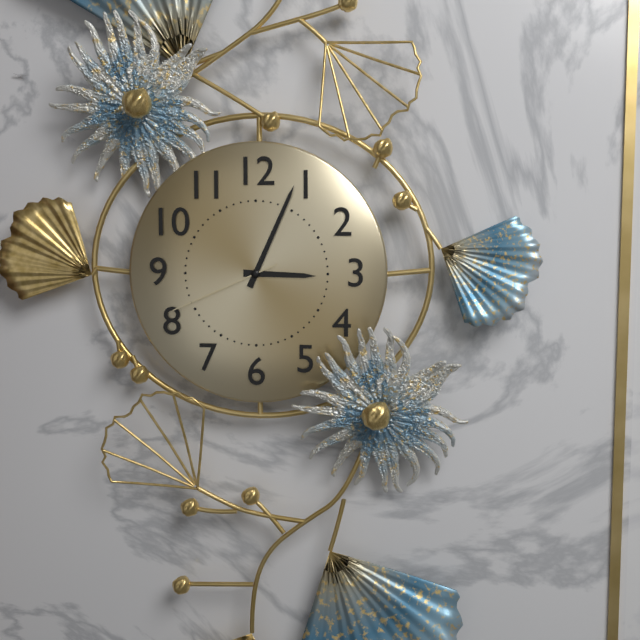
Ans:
3h04m41s
